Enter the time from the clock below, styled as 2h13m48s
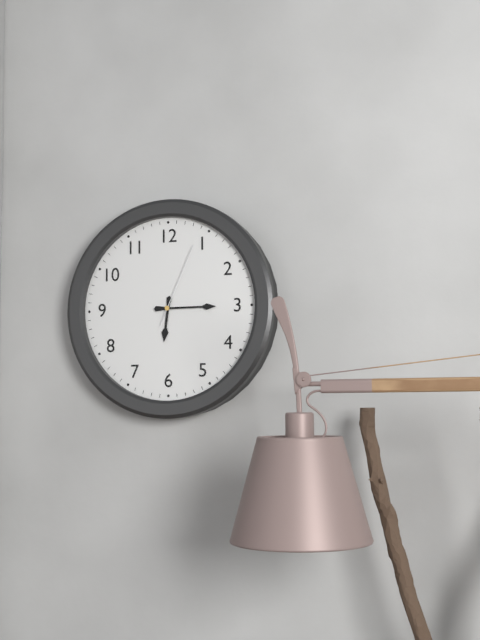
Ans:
6h15m04s
